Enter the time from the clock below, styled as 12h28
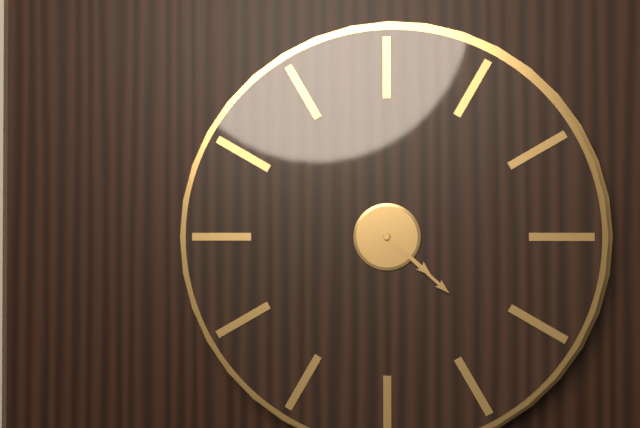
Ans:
4h22
